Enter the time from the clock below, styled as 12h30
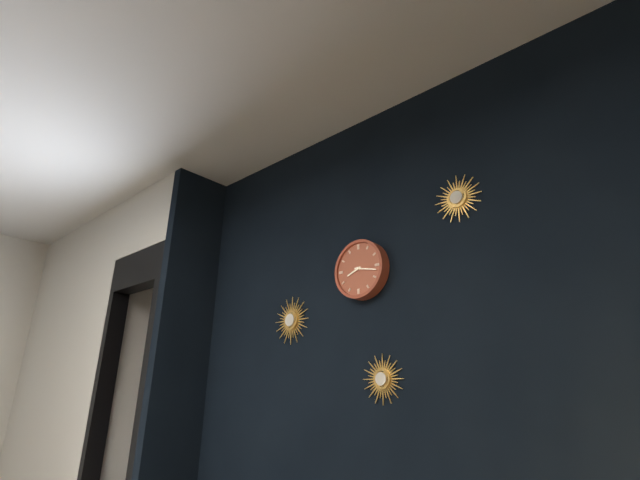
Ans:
8h17
